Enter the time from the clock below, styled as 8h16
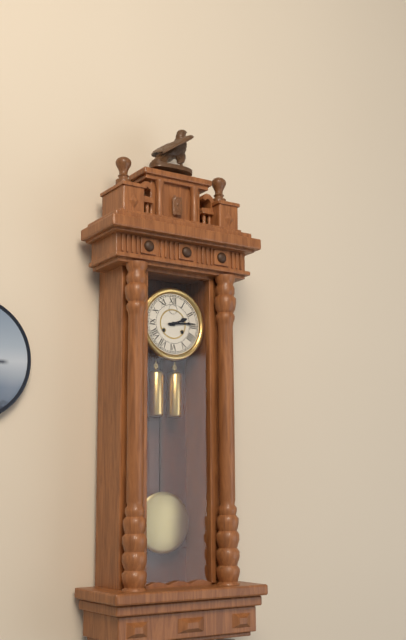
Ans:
2h14
